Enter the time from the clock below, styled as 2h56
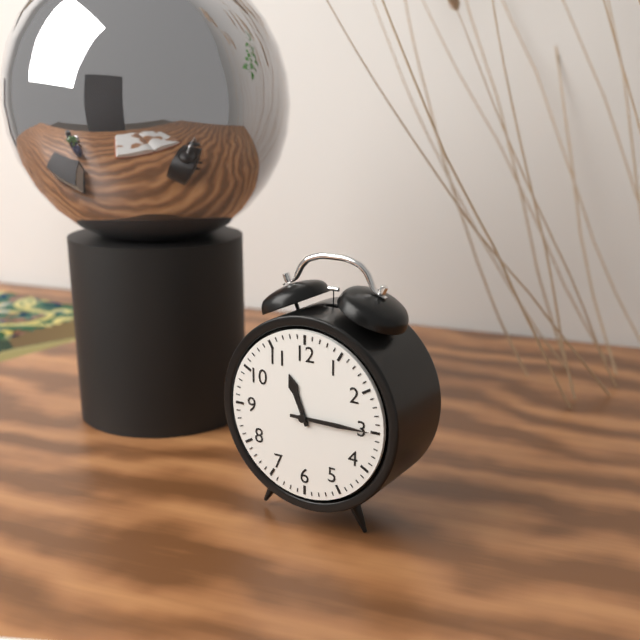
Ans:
11h15
